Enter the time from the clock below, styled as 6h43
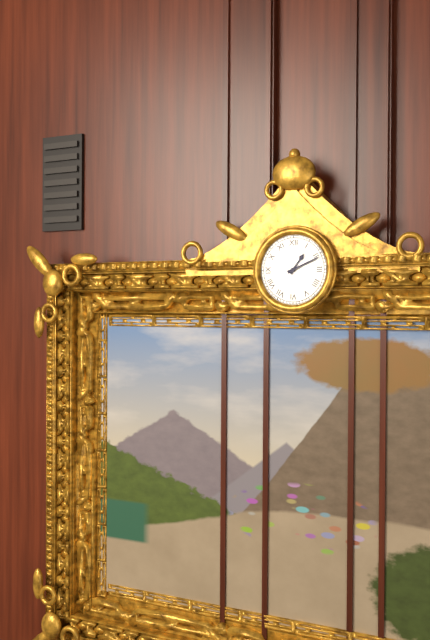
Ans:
1h11
